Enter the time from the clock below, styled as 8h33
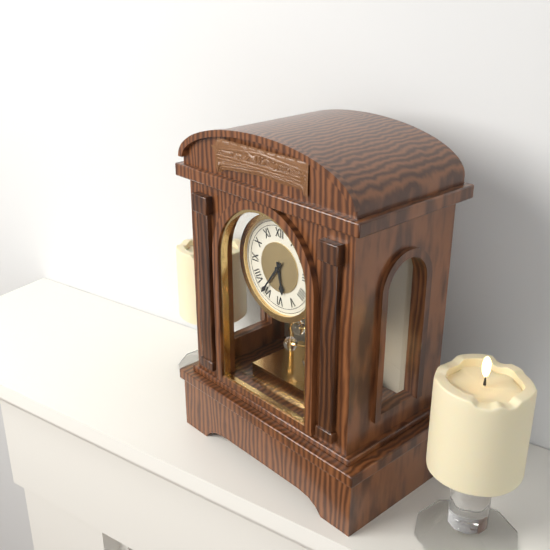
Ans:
5h36
